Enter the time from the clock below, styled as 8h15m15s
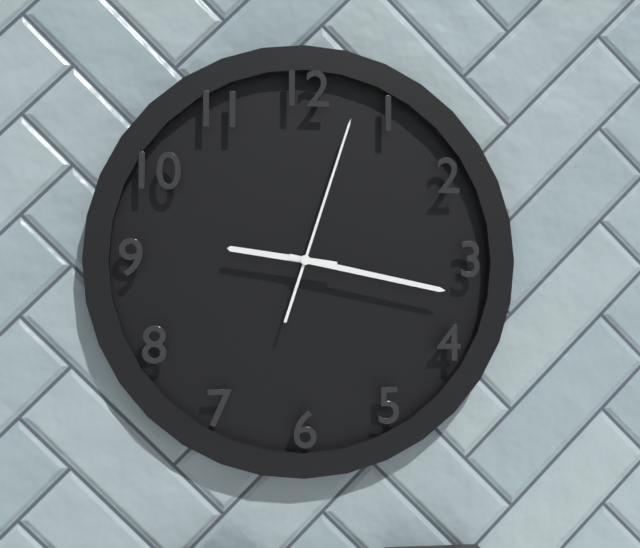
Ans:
9h17m03s
